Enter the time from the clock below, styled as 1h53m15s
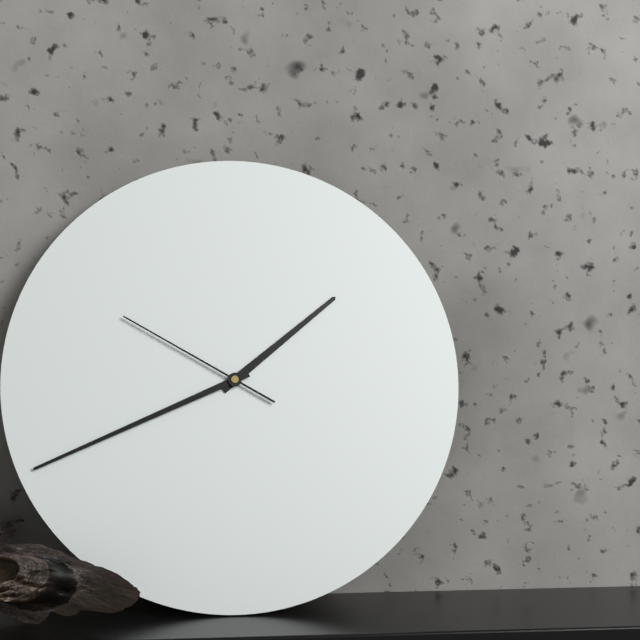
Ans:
1h41m50s
